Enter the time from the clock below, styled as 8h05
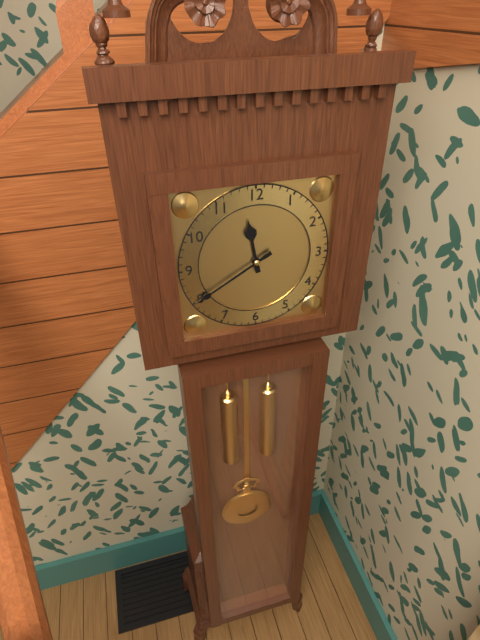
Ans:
11h40
